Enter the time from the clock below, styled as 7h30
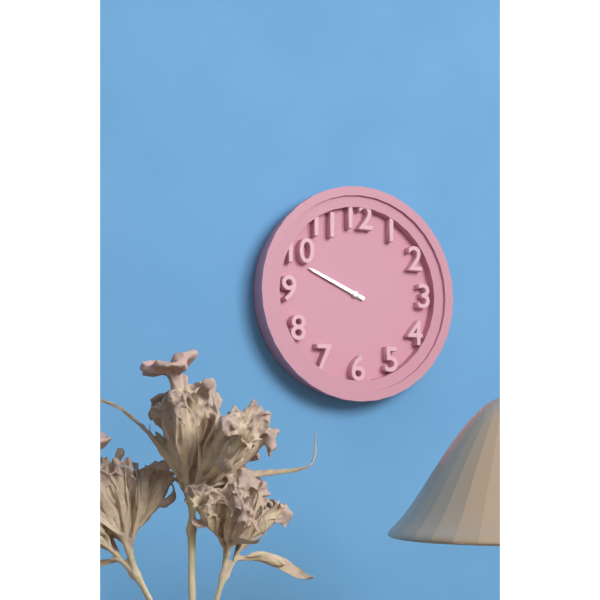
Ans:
9h49
